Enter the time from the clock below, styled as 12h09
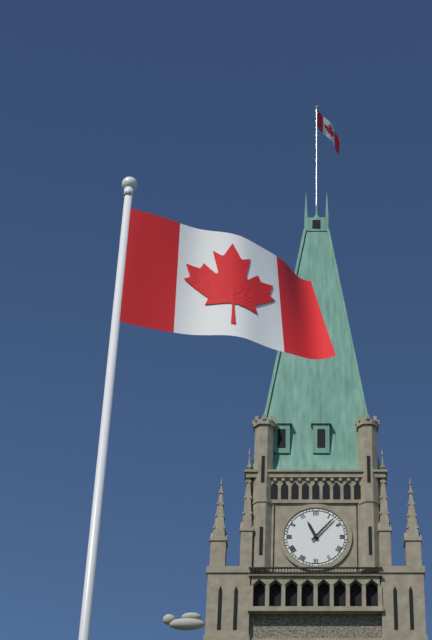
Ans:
11h07
